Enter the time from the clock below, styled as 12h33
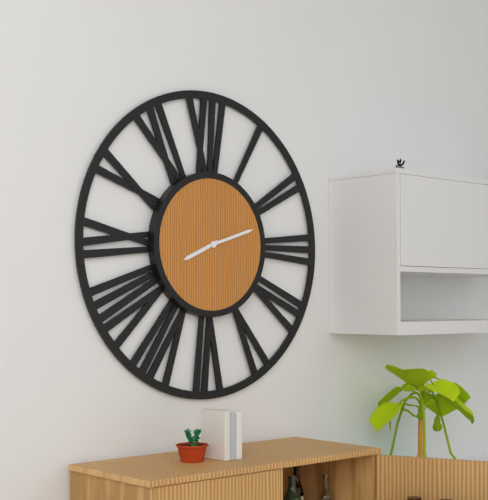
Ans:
8h12
